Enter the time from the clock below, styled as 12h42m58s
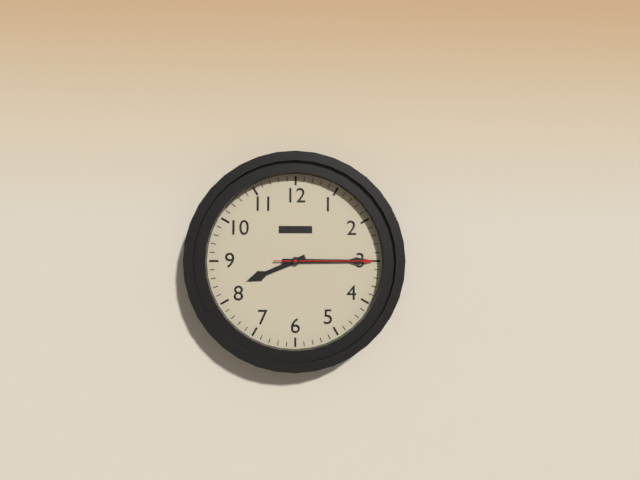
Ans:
8h15m15s
